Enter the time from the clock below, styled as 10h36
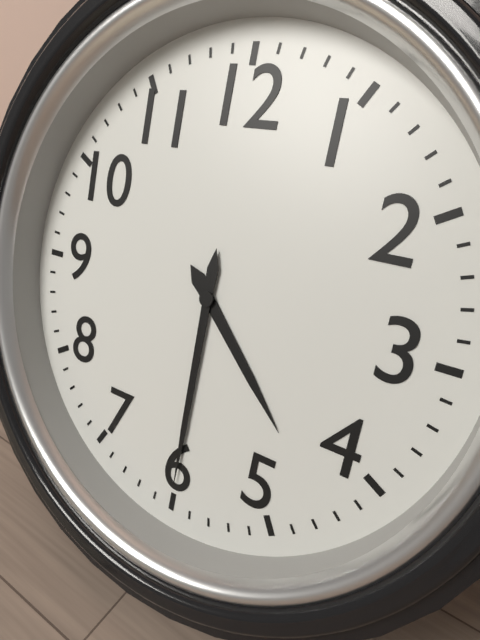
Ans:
4h30
